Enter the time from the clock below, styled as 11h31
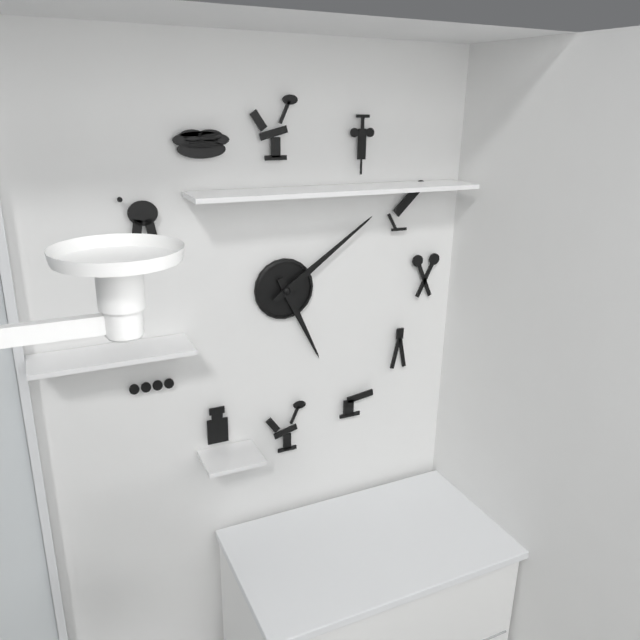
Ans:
5h09
